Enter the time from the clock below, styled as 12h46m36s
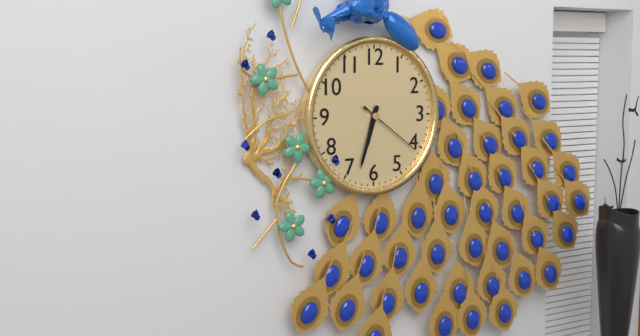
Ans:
6h33m21s
